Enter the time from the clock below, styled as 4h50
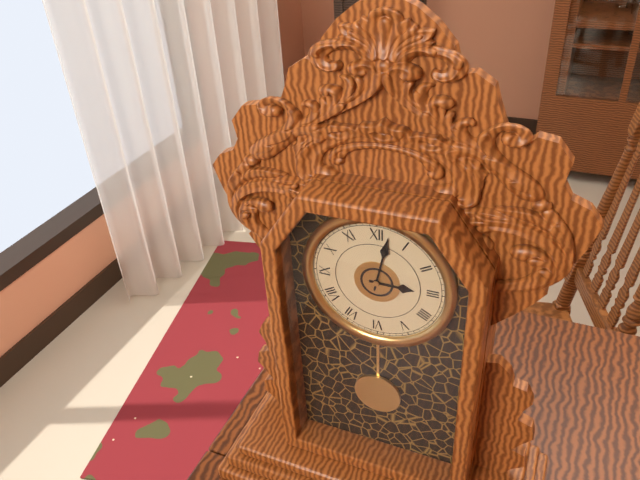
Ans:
3h02
